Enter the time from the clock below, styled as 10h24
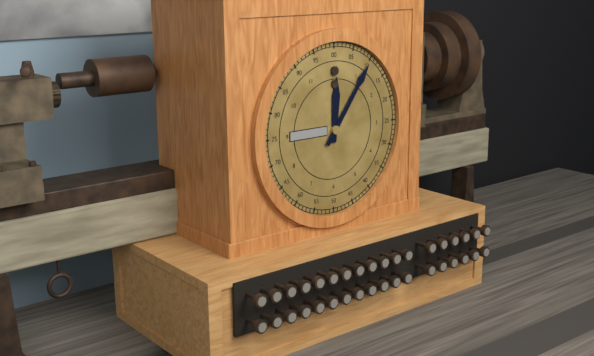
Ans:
12h06
